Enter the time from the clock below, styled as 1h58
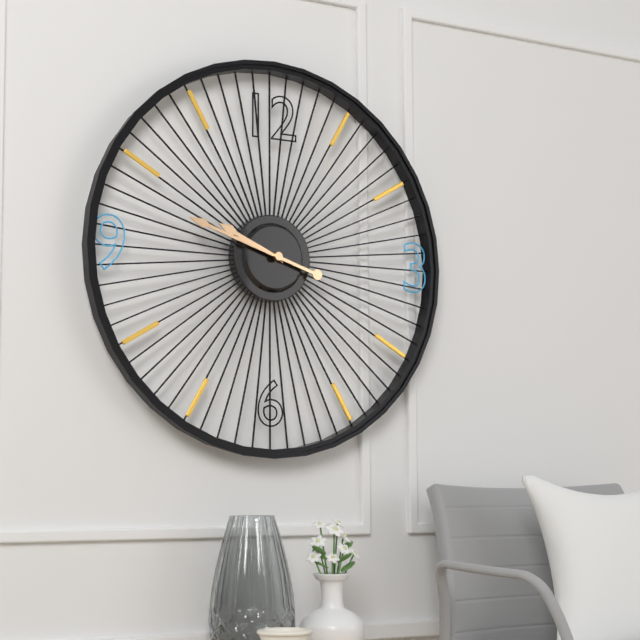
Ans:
9h48
